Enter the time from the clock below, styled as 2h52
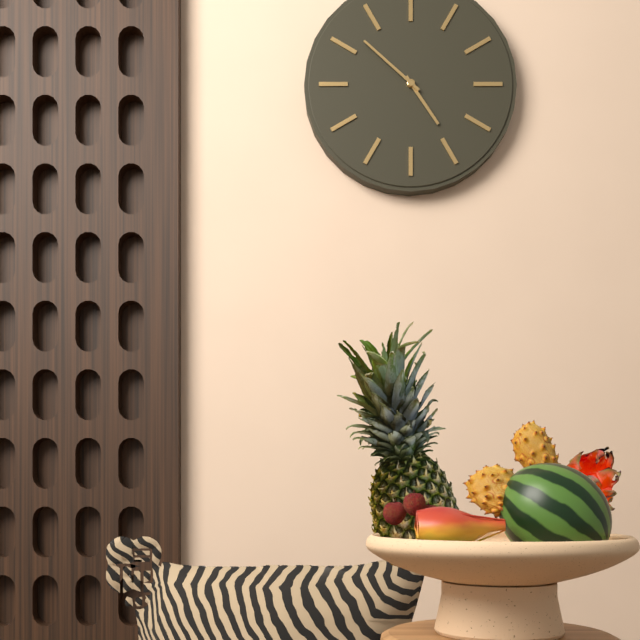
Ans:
4h52
